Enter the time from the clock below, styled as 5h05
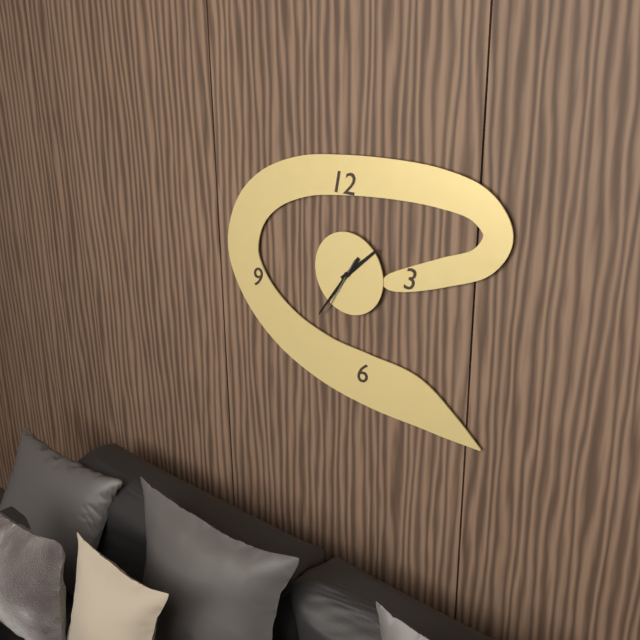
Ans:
1h36
